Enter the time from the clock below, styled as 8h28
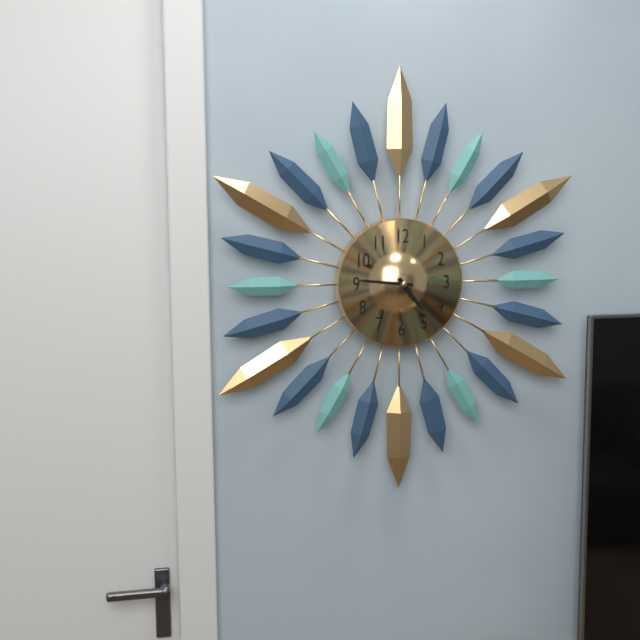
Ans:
4h46
